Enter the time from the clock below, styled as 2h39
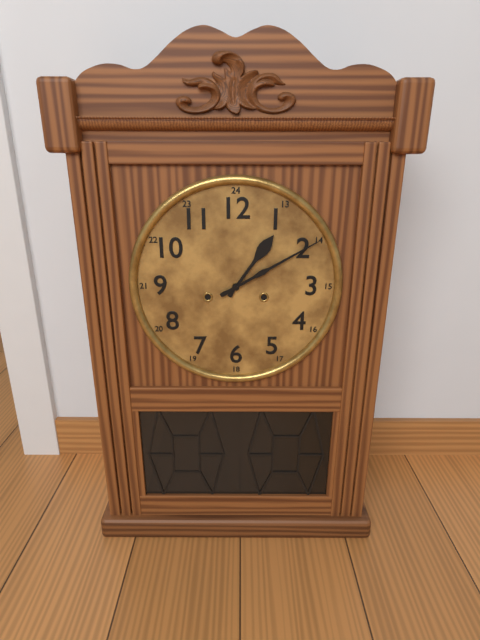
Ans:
1h10
